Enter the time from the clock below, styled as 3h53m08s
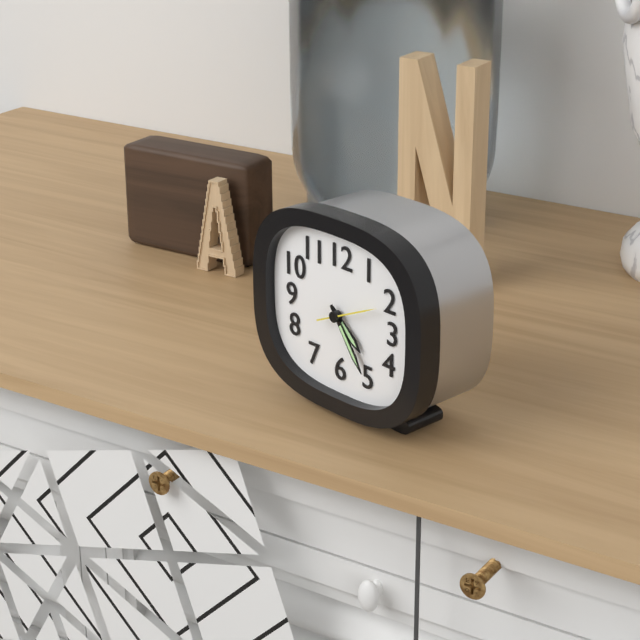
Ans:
4h24m11s
